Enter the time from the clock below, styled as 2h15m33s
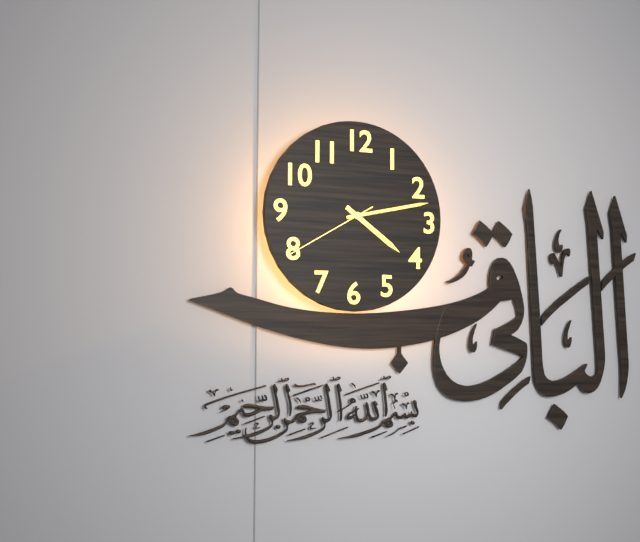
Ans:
4h13m40s
